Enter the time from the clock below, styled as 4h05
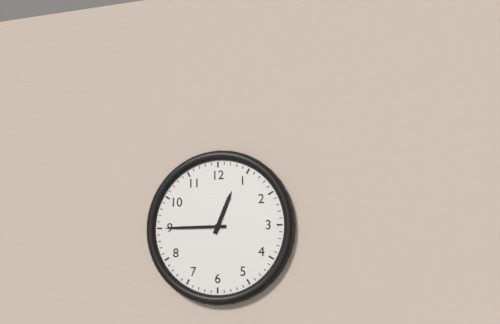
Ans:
12h45
